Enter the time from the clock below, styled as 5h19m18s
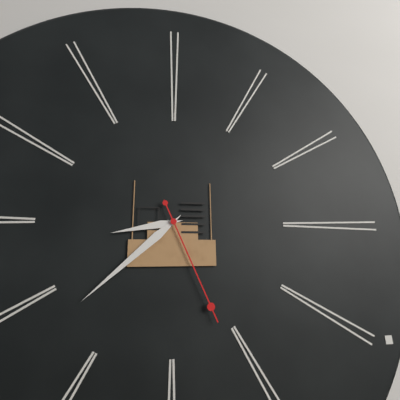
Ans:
8h38m26s
